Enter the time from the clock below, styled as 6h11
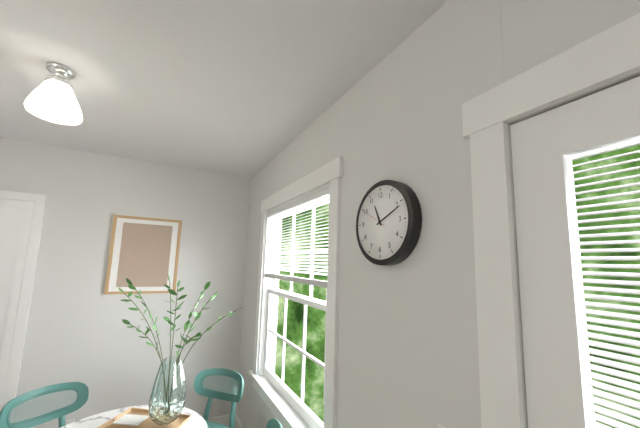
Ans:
11h11
